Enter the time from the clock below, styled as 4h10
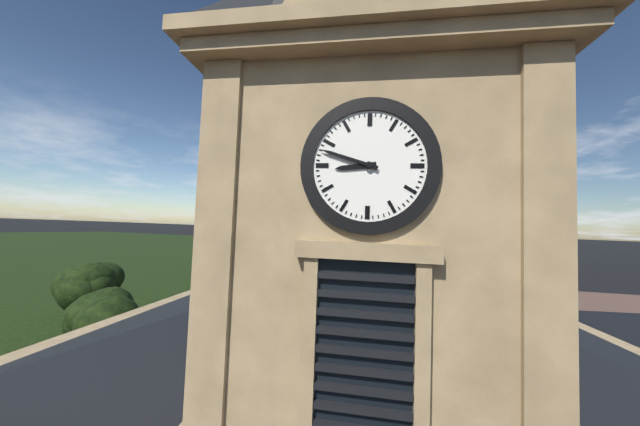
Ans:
8h48
